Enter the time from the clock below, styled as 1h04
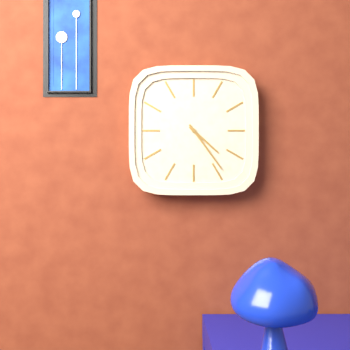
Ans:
4h24
